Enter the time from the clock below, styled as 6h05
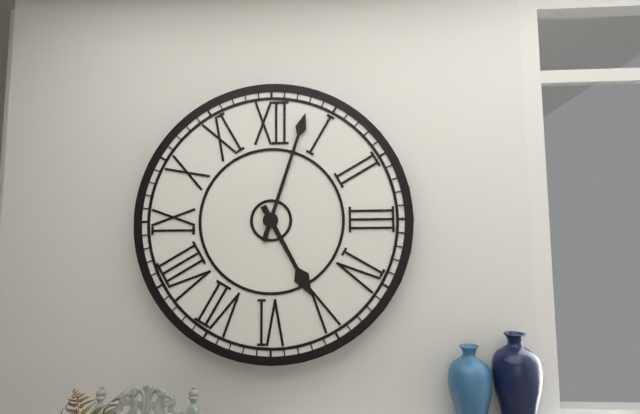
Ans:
5h03
